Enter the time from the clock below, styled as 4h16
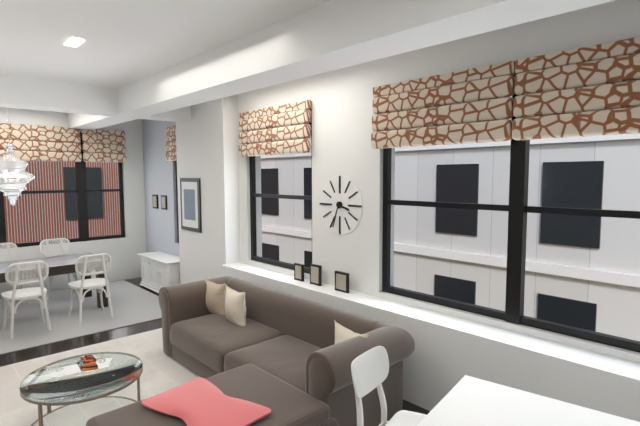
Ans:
3h33
